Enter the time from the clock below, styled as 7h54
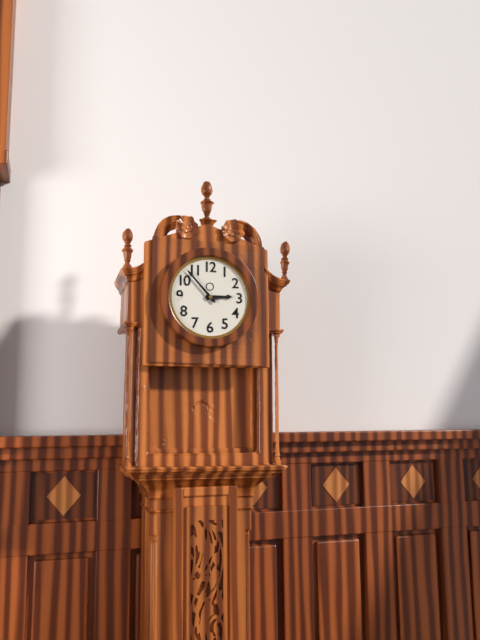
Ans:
2h53
